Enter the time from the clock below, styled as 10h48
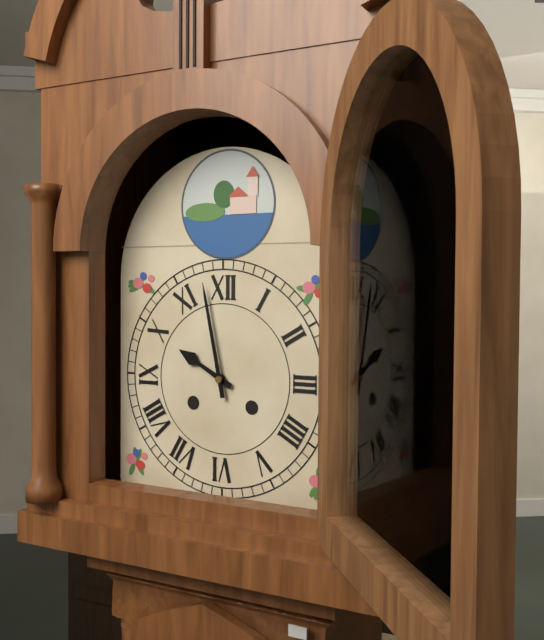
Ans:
9h58
